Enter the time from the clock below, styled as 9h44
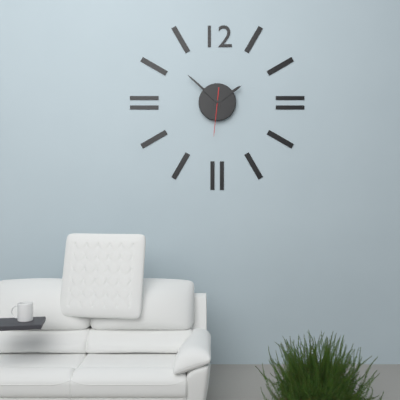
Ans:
1h52
